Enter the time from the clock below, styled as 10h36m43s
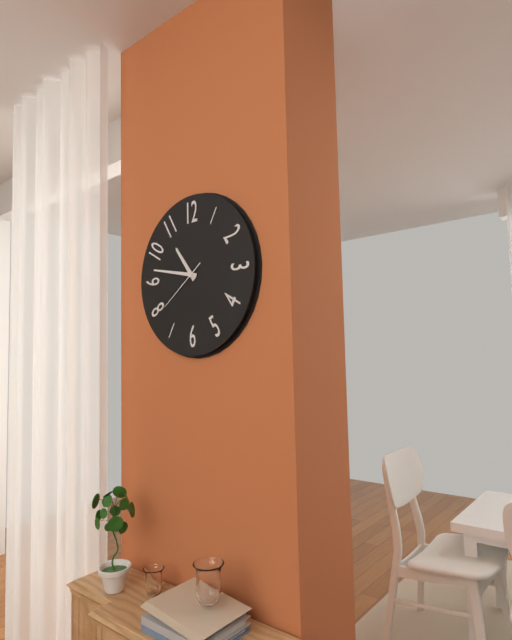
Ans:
10h47m39s
